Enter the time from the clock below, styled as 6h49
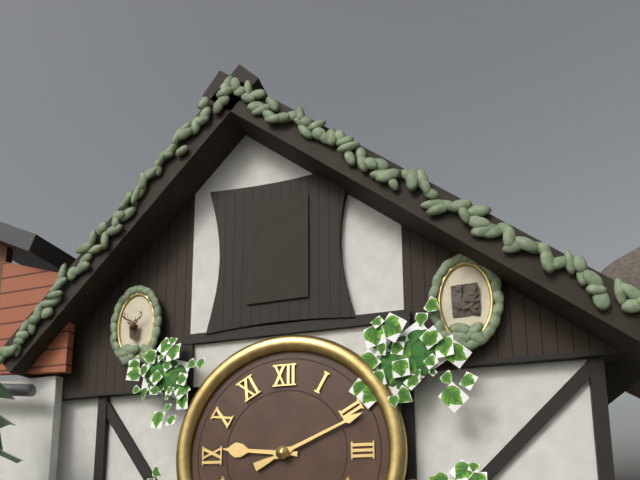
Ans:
9h11
